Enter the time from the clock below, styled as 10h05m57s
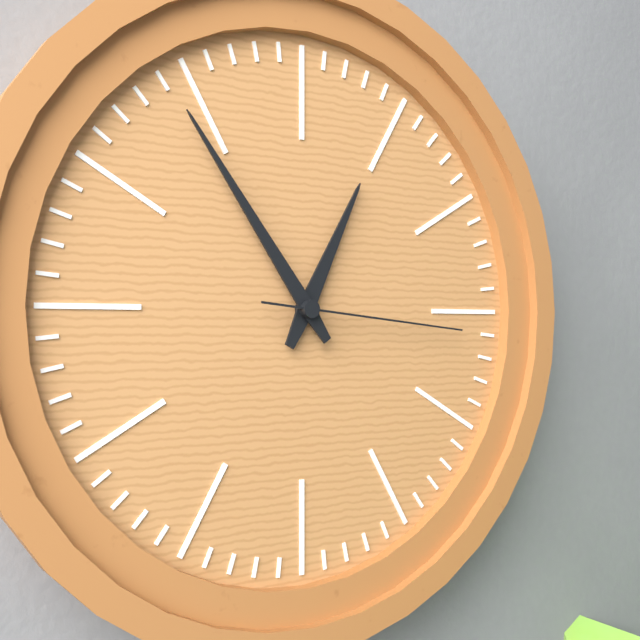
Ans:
12h54m16s
